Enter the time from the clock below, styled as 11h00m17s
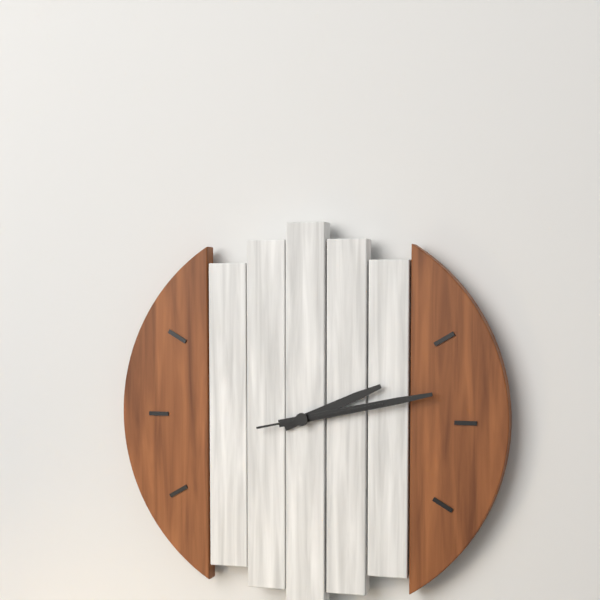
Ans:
2h13m13s
